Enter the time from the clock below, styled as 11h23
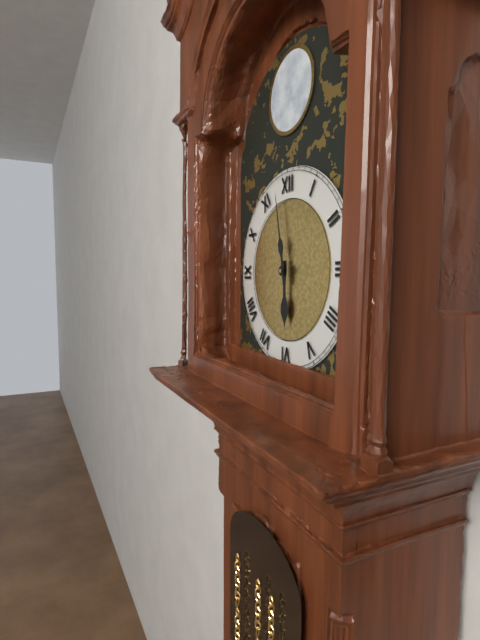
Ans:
5h58
